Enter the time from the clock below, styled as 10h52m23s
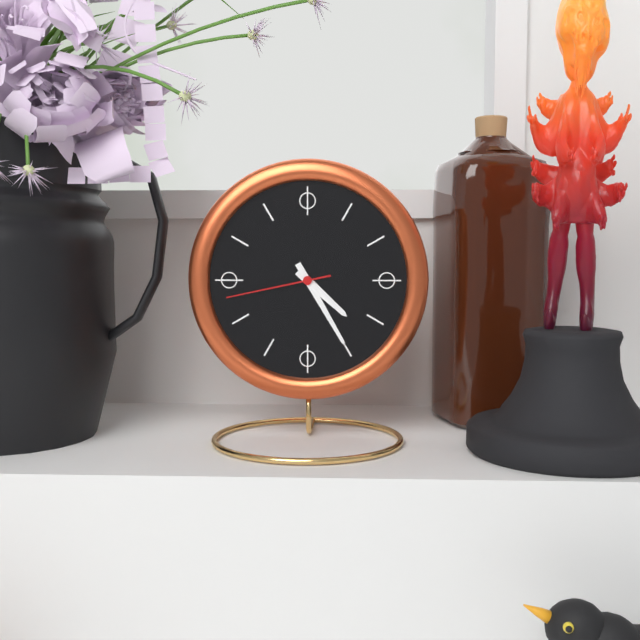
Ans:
4h25m43s
